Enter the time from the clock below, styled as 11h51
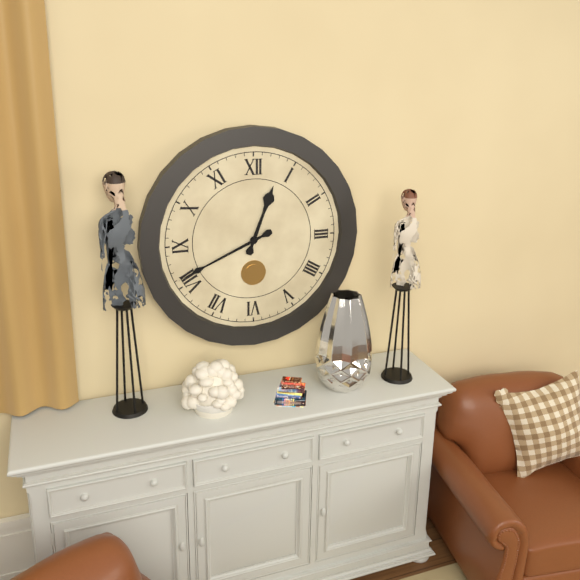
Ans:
12h41
